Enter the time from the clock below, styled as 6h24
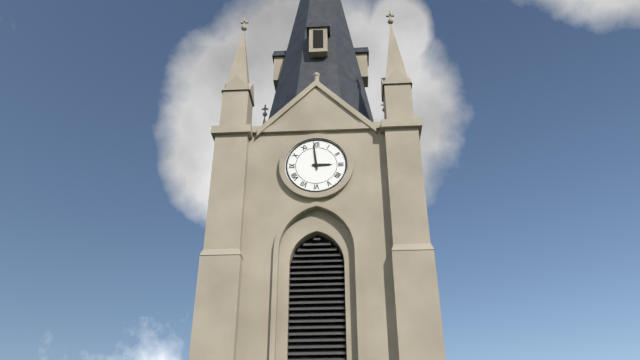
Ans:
2h59
